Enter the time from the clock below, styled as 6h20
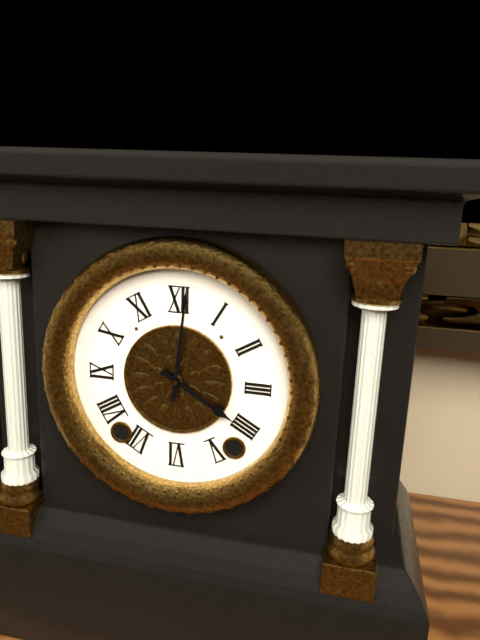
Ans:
4h01
